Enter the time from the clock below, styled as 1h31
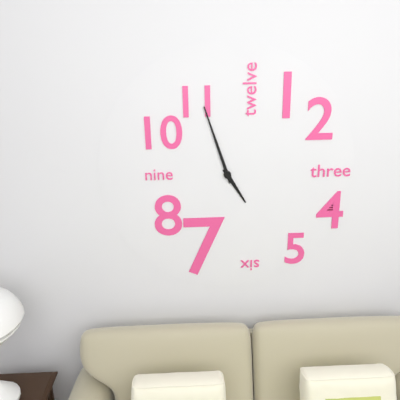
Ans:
4h57
